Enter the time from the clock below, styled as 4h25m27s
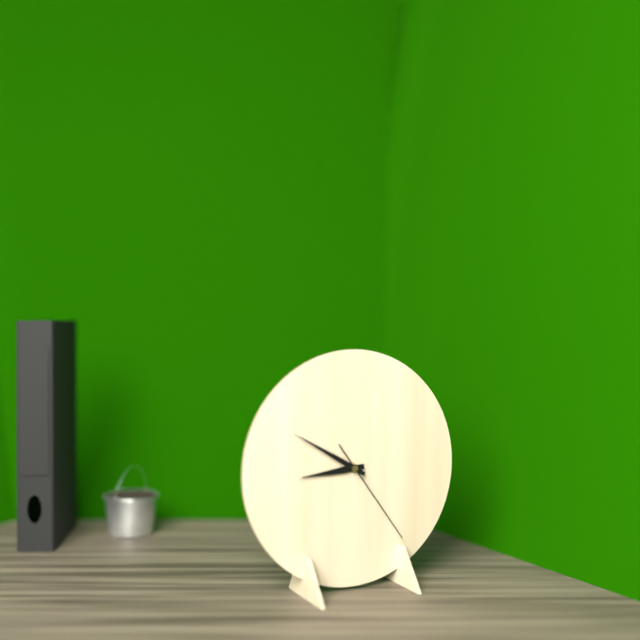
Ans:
8h50m24s
